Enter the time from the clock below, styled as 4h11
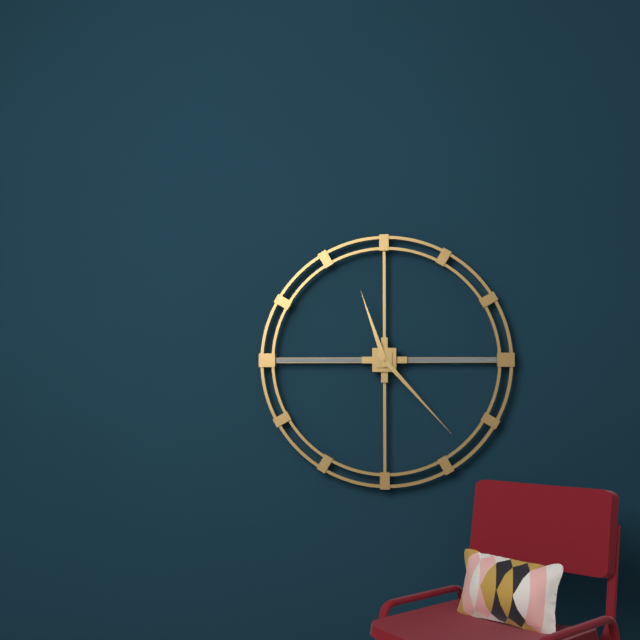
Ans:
11h23
